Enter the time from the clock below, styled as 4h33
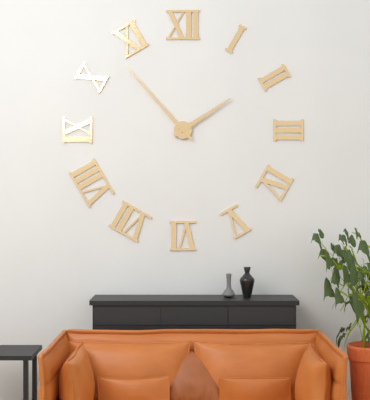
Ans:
1h53
